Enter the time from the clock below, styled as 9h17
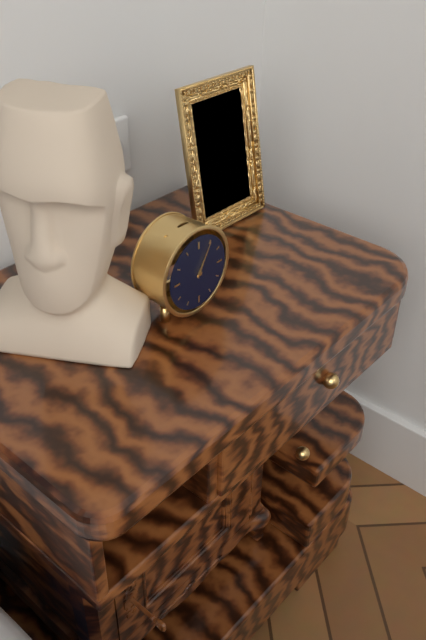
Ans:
1h05
